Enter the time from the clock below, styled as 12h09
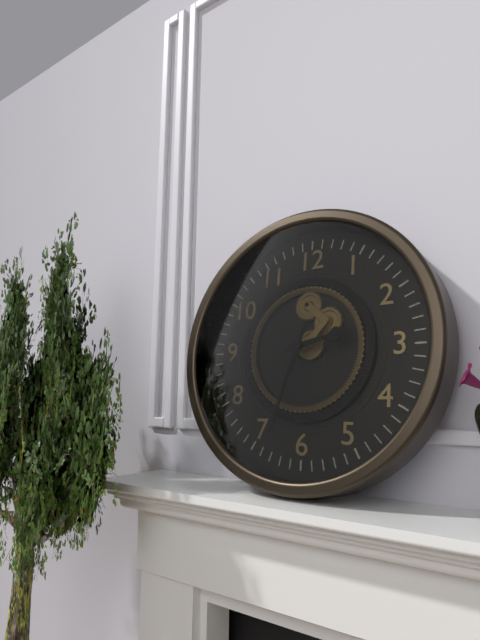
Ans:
2h33
